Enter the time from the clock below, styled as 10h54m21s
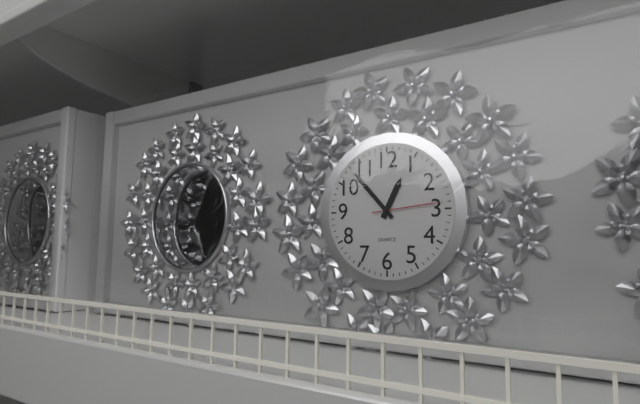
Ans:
12h53m14s
